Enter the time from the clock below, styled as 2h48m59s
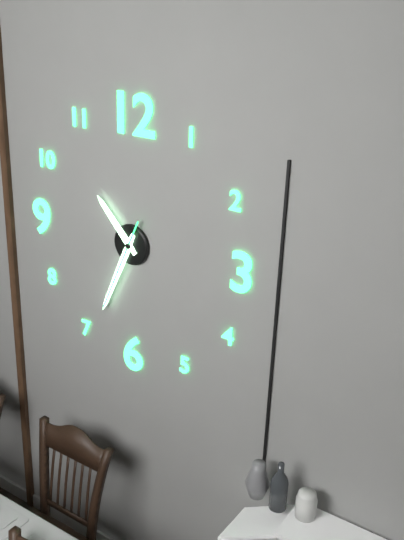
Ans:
10h34m34s
